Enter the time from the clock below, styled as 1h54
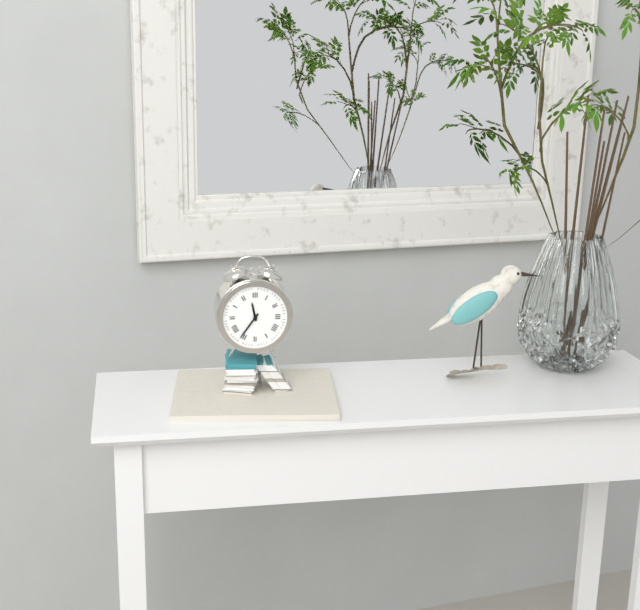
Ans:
11h36
